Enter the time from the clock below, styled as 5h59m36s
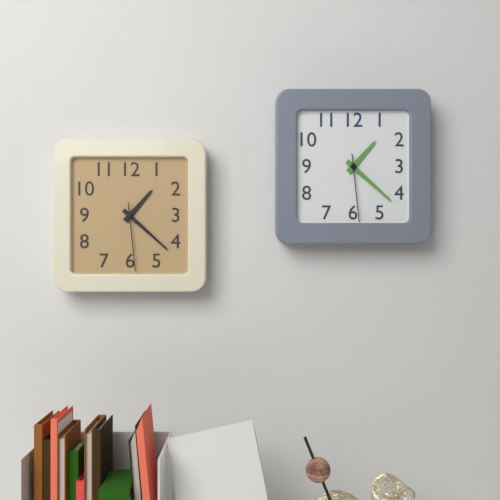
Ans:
1h22m29s
